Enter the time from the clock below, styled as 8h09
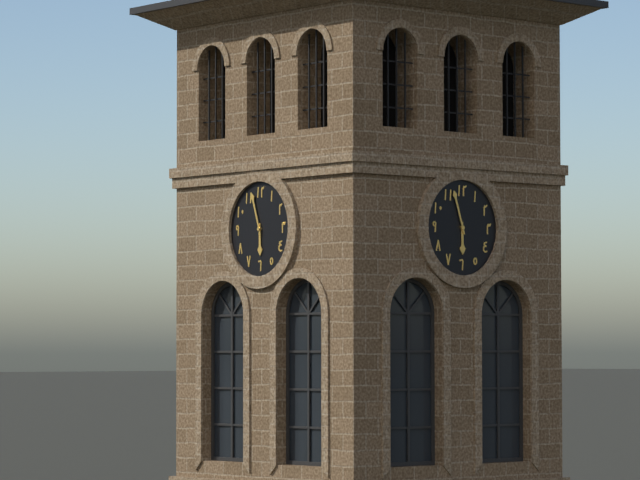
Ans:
5h57
